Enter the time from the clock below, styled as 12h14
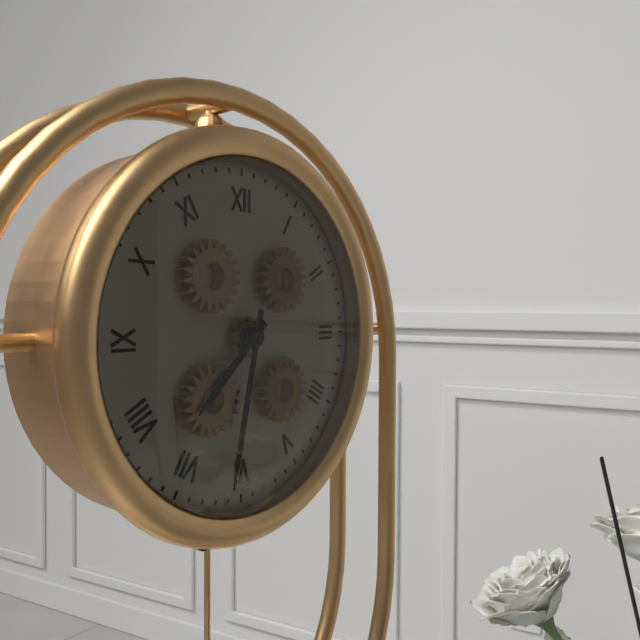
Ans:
7h32
